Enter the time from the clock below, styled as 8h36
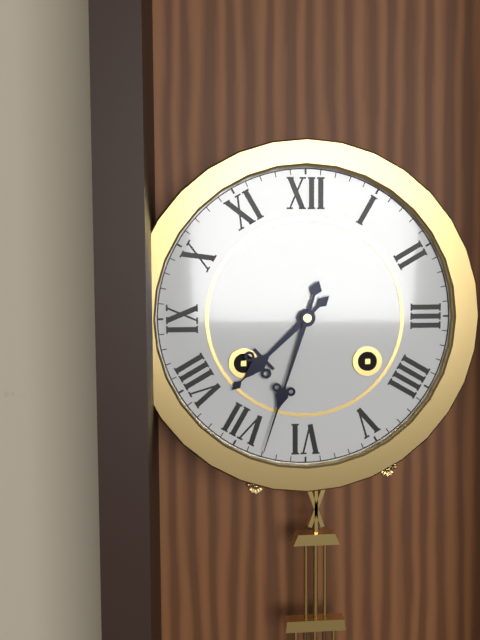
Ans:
7h33
